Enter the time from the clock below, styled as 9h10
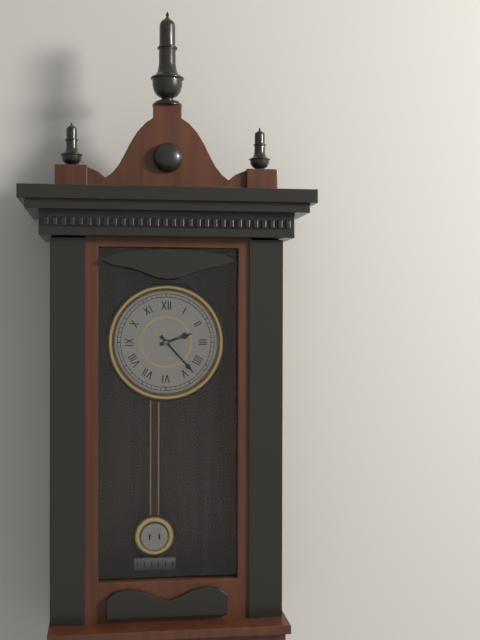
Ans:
2h23
